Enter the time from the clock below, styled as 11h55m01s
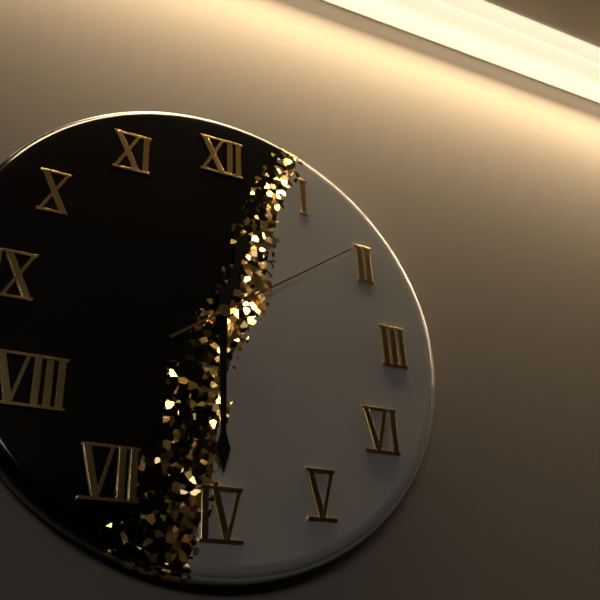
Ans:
12h30m09s
